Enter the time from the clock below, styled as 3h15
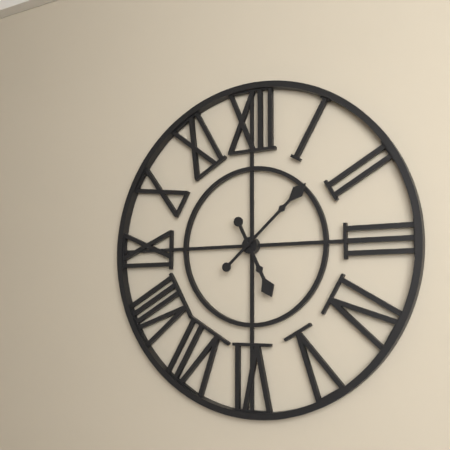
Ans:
5h08
